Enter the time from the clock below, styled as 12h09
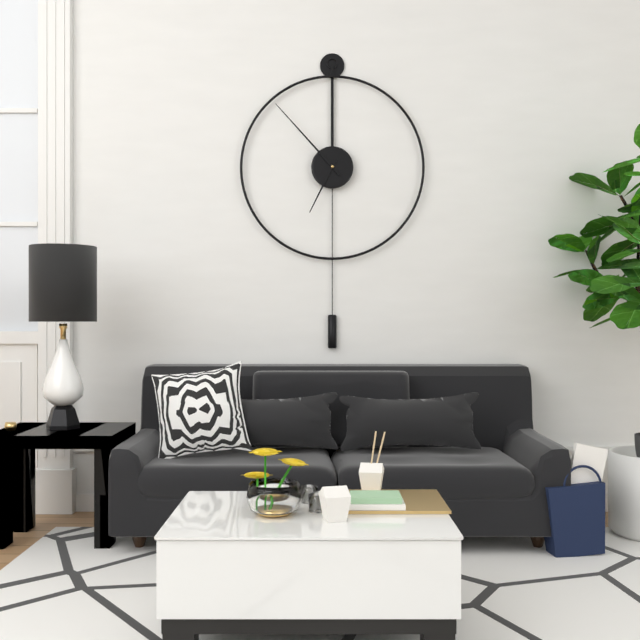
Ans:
6h53
